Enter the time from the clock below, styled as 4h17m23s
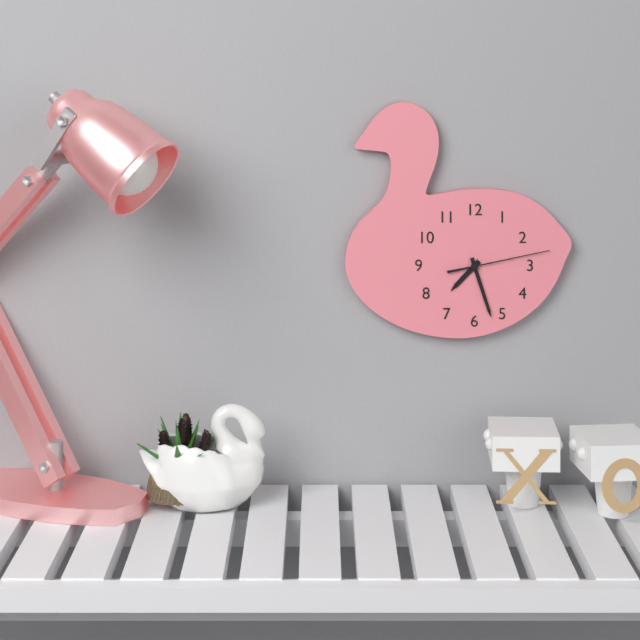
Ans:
7h27m13s
